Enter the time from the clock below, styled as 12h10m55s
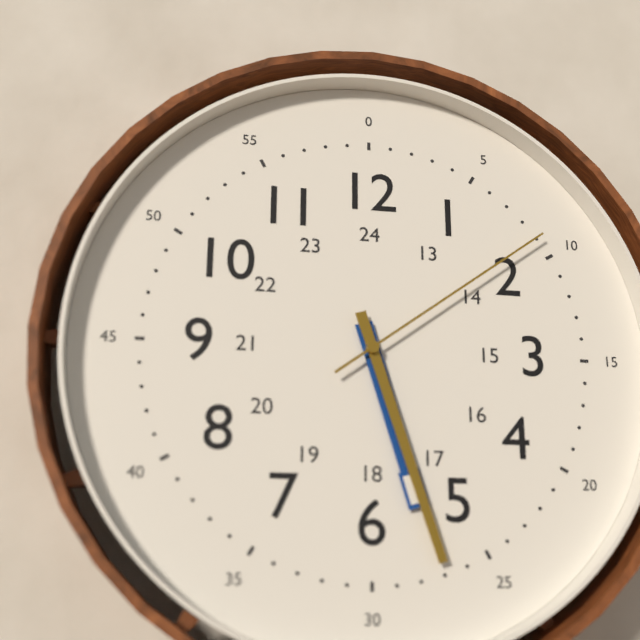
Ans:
5h27m09s
